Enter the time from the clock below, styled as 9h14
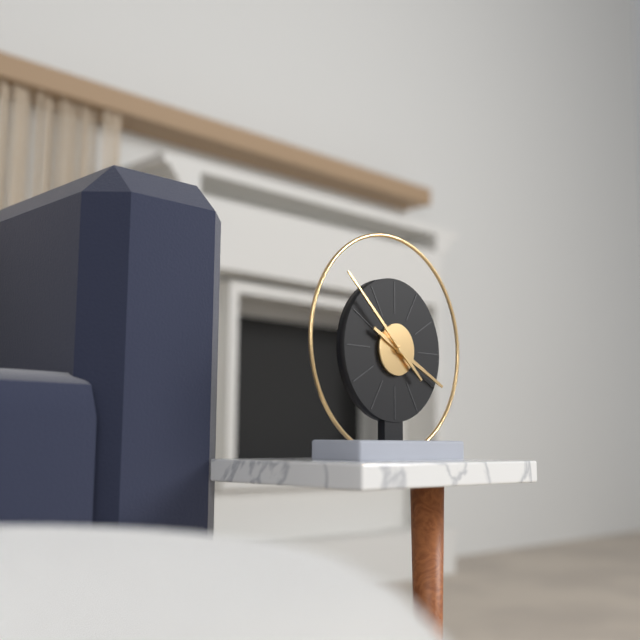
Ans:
3h52
